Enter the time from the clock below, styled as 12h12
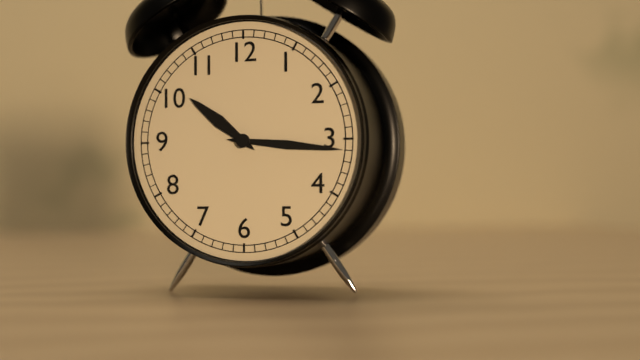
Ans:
10h16
